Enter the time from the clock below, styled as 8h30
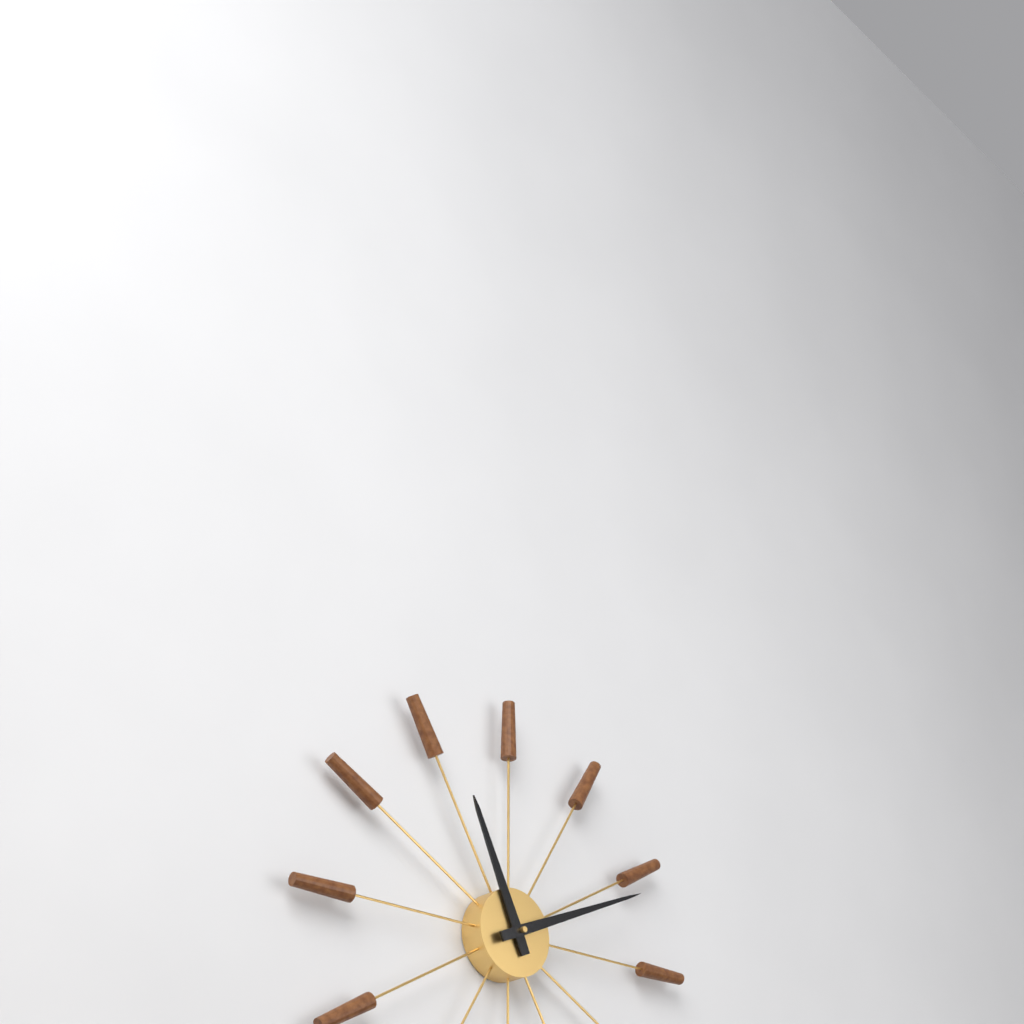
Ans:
11h11
